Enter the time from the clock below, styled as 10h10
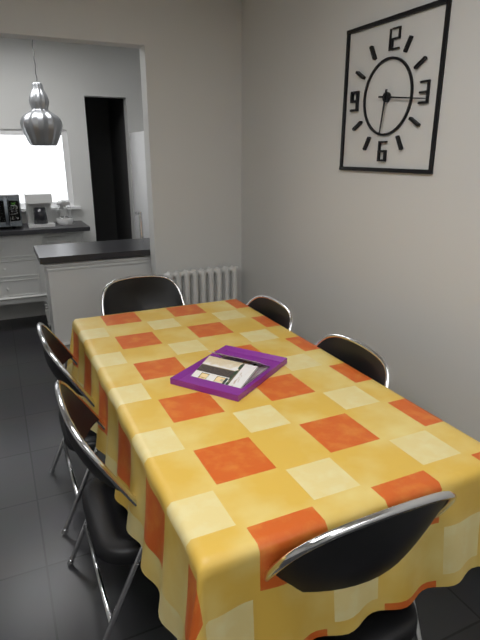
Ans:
6h16
